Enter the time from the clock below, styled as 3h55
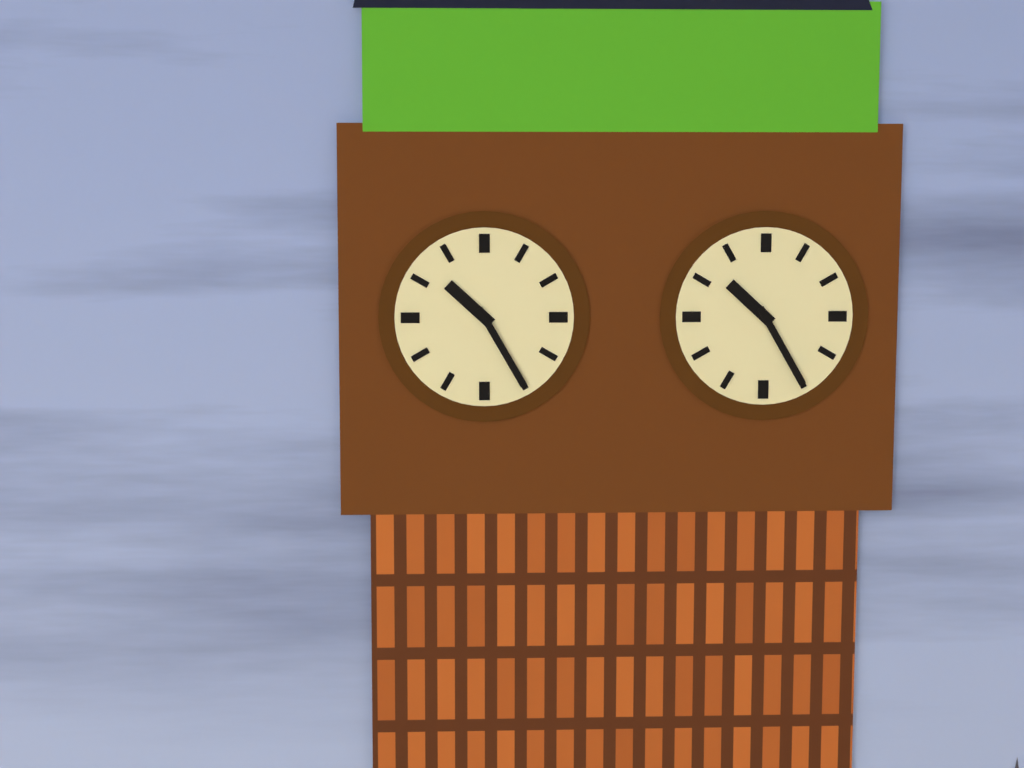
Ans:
10h25
